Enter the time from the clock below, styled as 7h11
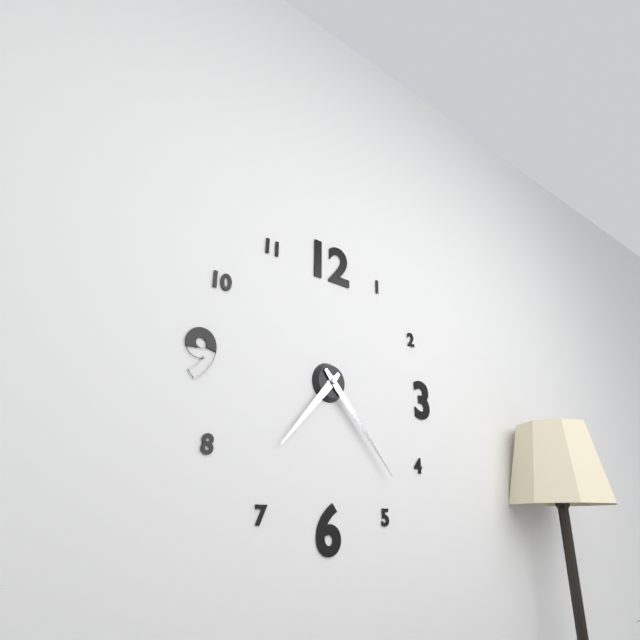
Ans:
7h23
